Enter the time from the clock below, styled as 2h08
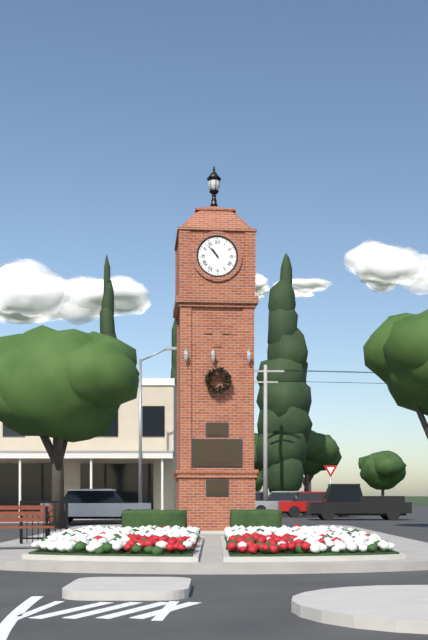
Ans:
10h53
